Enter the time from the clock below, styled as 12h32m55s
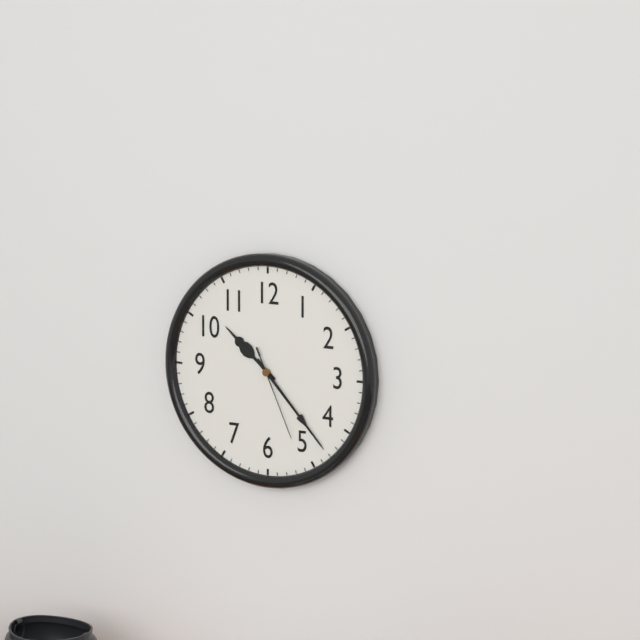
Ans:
10h23m26s
